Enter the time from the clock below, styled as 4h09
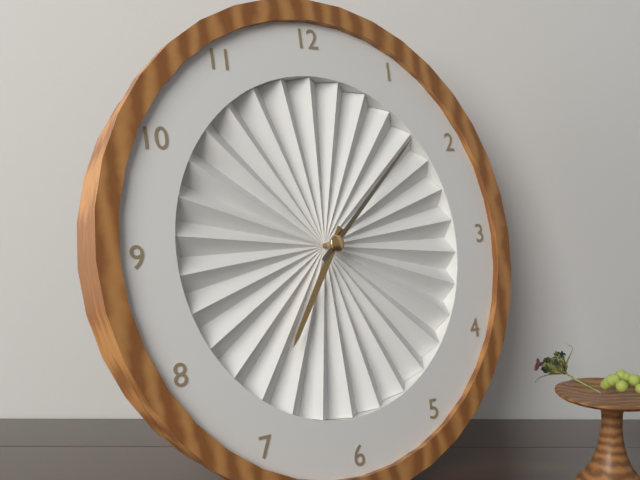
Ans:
7h08
